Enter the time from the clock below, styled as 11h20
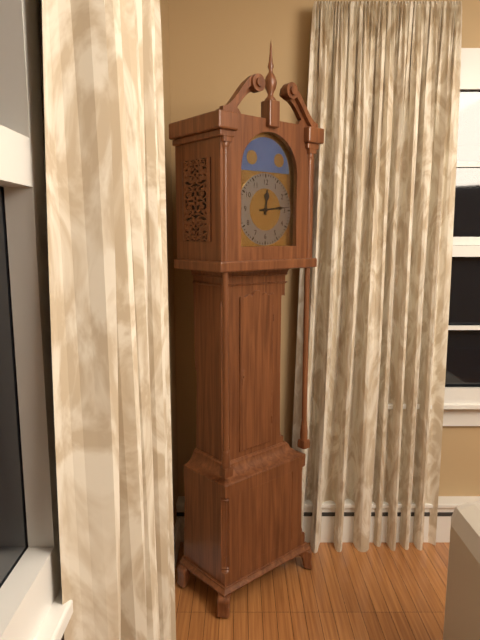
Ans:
12h14
